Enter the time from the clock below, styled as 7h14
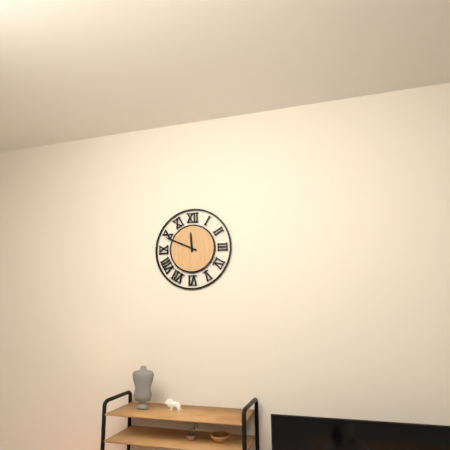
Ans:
11h49
